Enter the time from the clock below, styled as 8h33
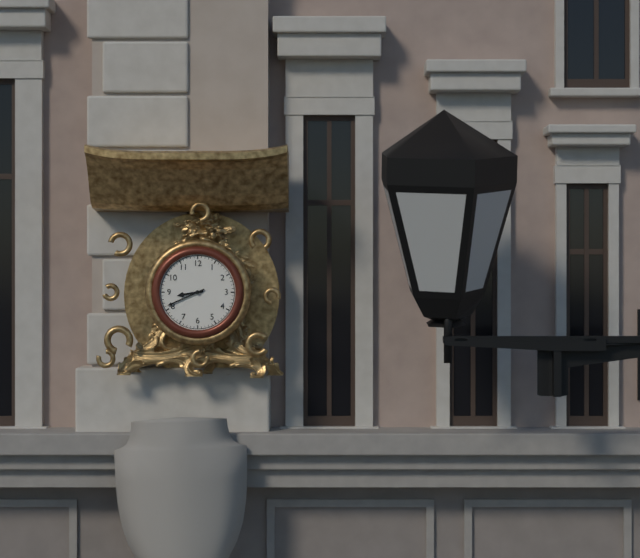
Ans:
8h41
